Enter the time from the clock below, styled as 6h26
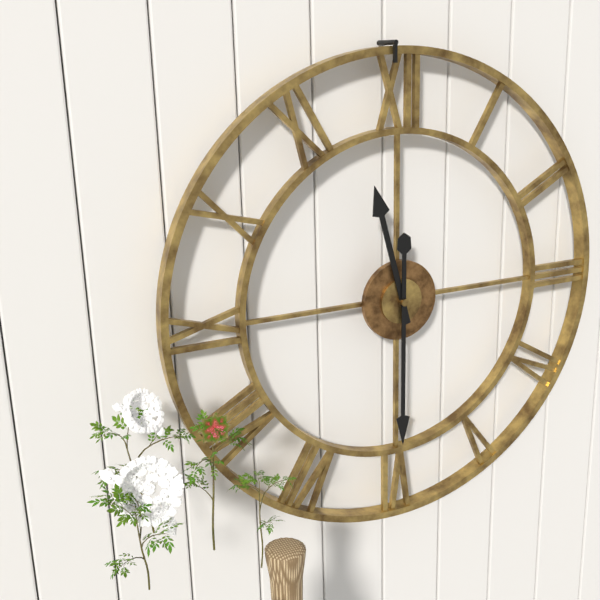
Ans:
11h30
